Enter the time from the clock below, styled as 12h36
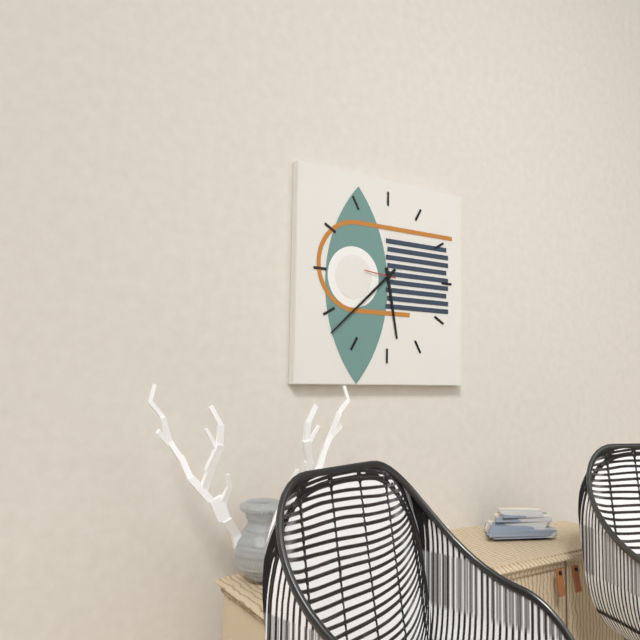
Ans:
5h38
